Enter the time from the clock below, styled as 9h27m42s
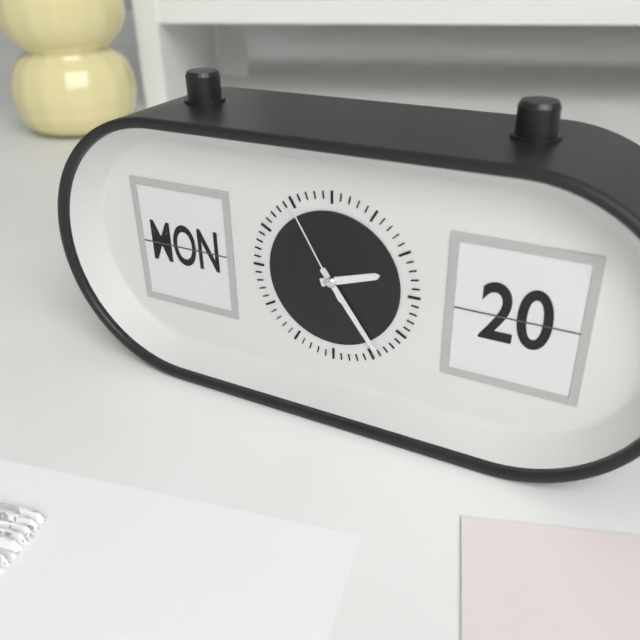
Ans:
2h24m55s
